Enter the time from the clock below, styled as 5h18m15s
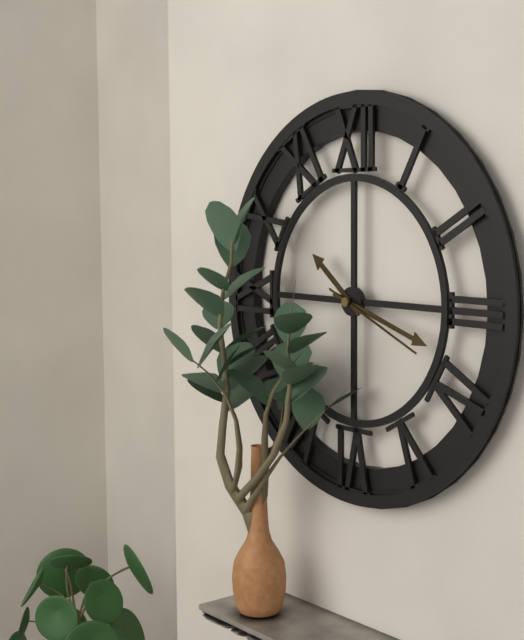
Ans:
10h18m19s
